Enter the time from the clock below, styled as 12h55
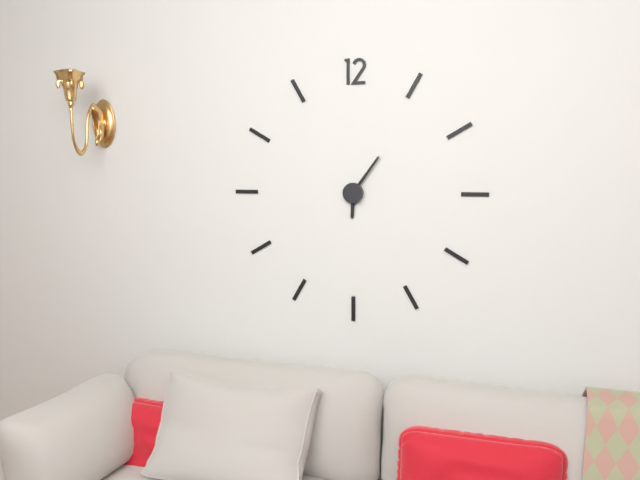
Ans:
6h06
